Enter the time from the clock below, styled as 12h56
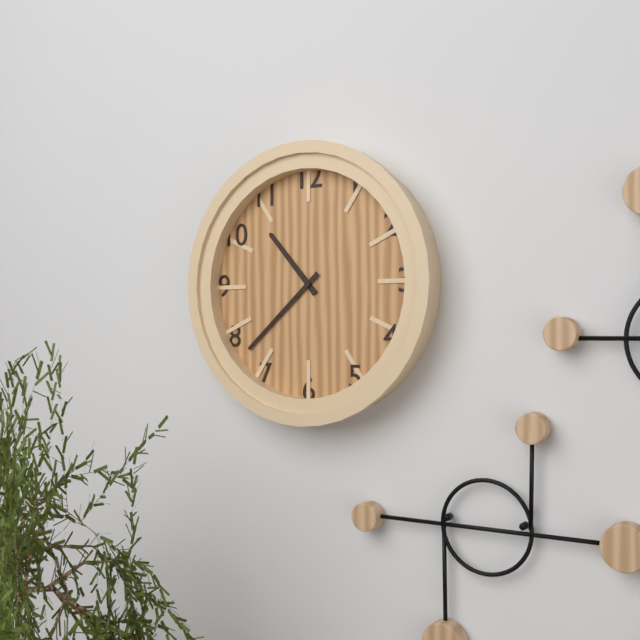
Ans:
10h38
